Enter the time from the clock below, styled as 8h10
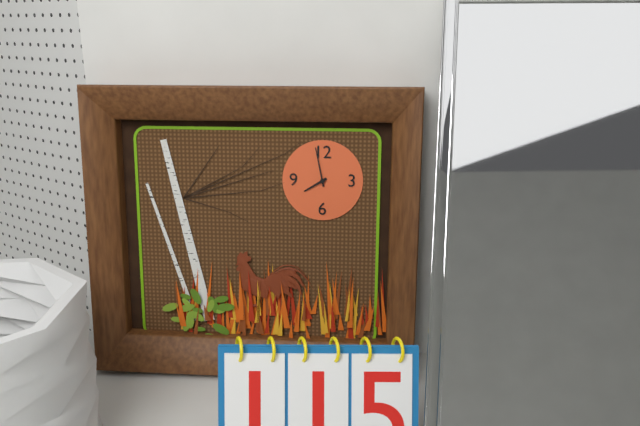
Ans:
7h58
